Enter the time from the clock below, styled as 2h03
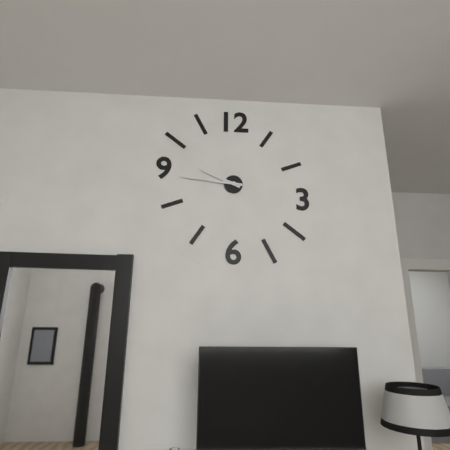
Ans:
9h46
